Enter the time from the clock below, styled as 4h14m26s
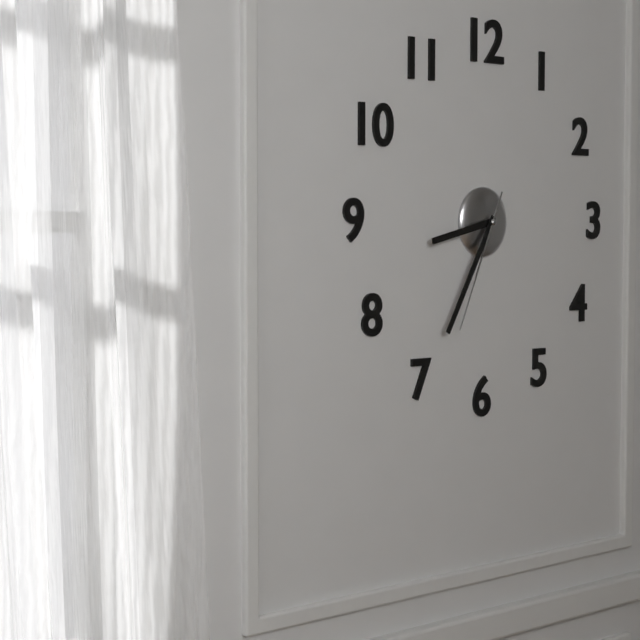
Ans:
8h35m34s
